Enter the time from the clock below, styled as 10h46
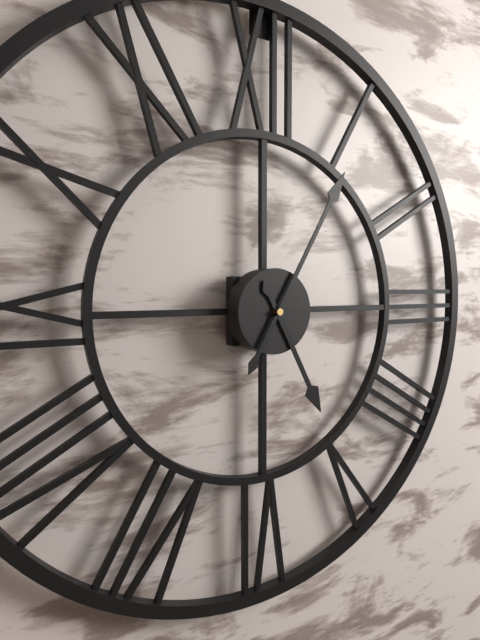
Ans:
5h05
